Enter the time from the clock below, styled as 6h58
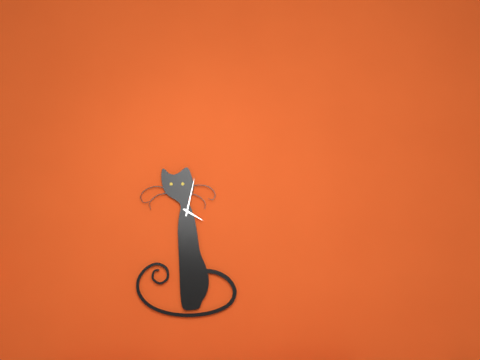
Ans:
4h02
